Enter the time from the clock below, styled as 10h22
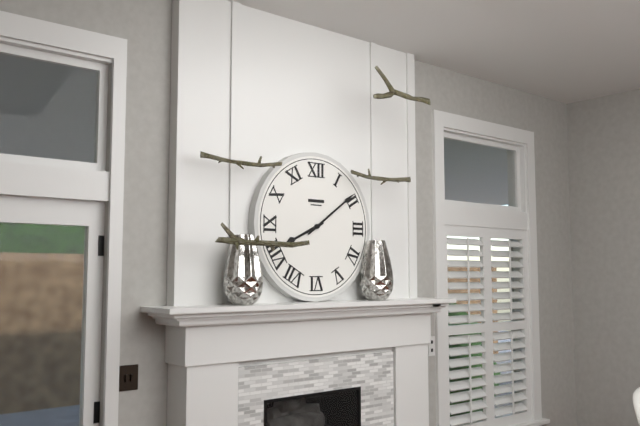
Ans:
8h09
